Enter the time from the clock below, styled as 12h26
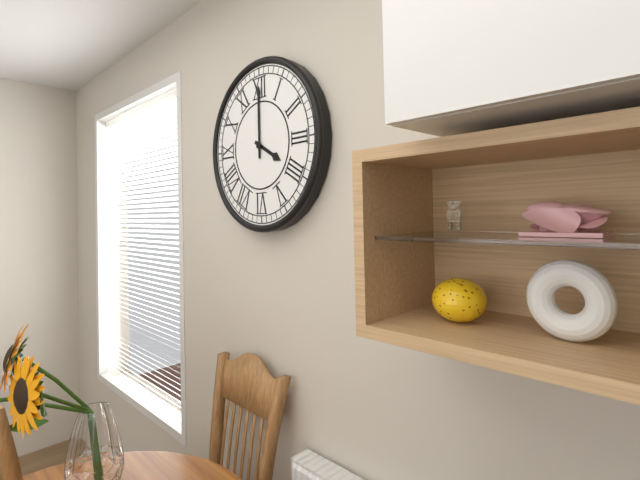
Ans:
4h00
